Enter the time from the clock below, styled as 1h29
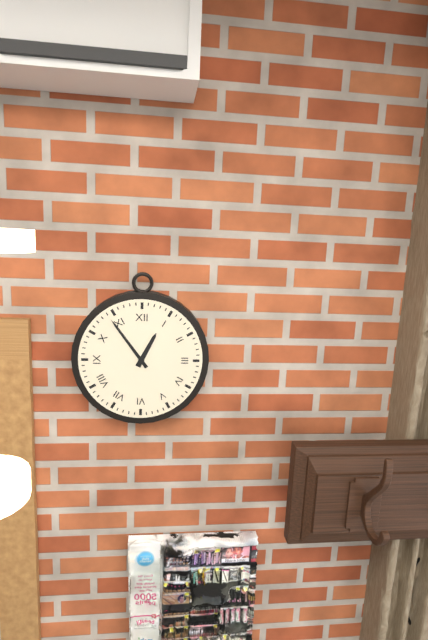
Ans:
12h54
